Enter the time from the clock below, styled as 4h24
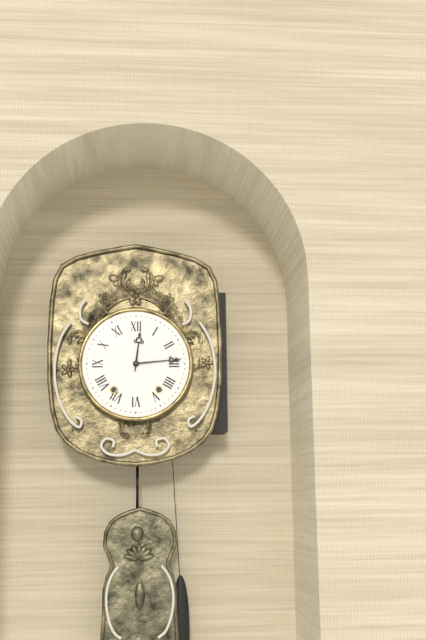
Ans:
12h14
